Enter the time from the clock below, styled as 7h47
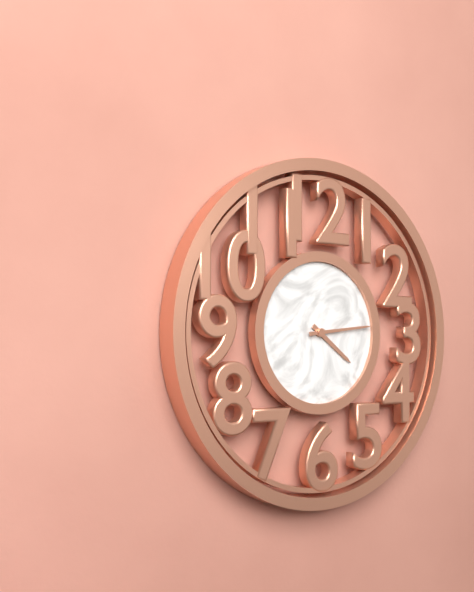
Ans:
4h14
